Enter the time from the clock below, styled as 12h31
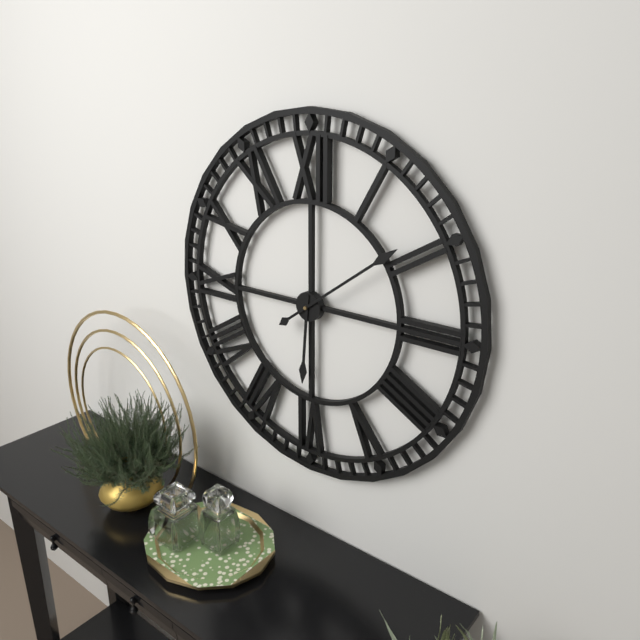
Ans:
6h09
